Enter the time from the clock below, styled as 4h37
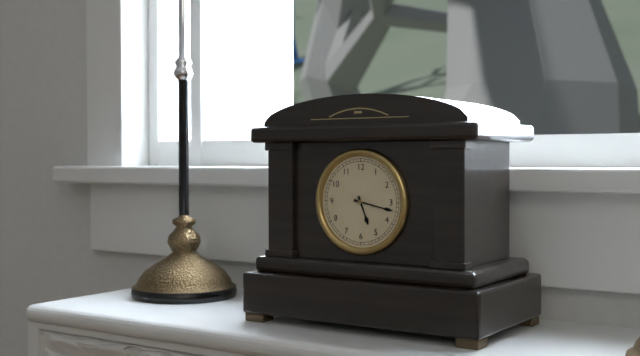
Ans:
5h17
